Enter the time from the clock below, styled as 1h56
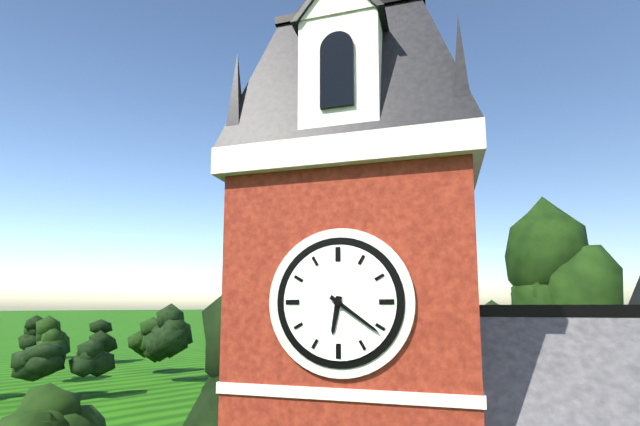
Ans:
6h21
